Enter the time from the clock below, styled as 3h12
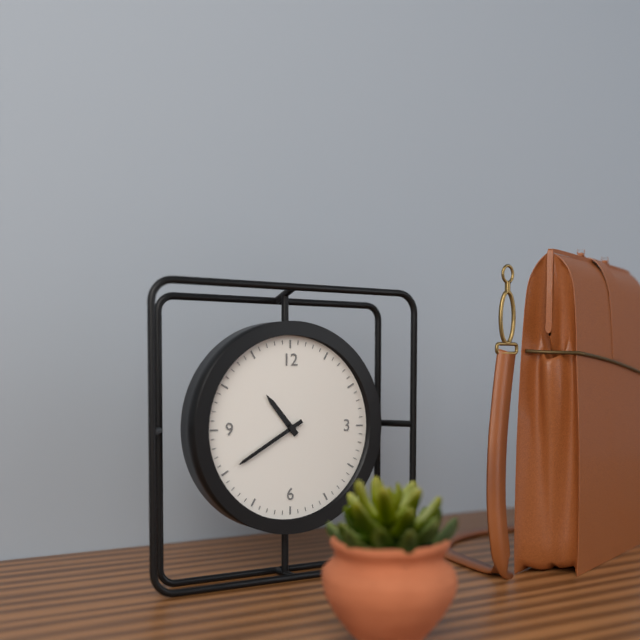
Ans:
10h40
